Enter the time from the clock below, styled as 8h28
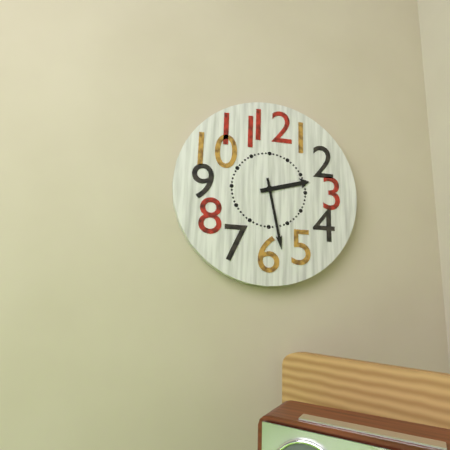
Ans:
2h28
